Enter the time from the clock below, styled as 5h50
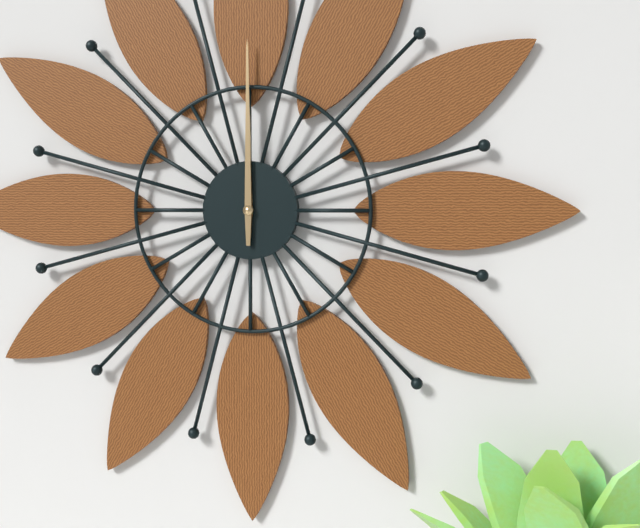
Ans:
12h00
